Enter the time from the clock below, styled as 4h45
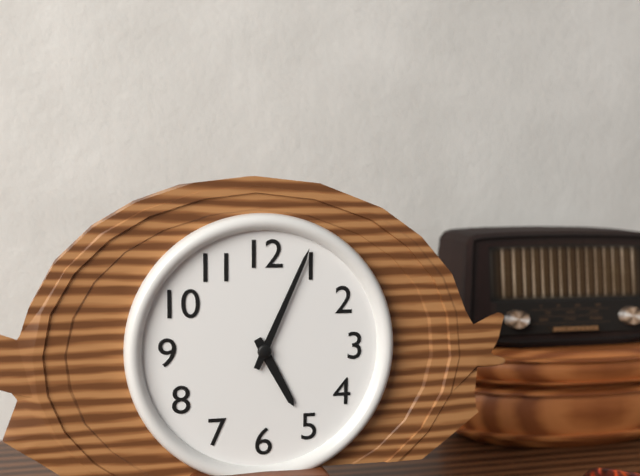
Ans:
5h04
